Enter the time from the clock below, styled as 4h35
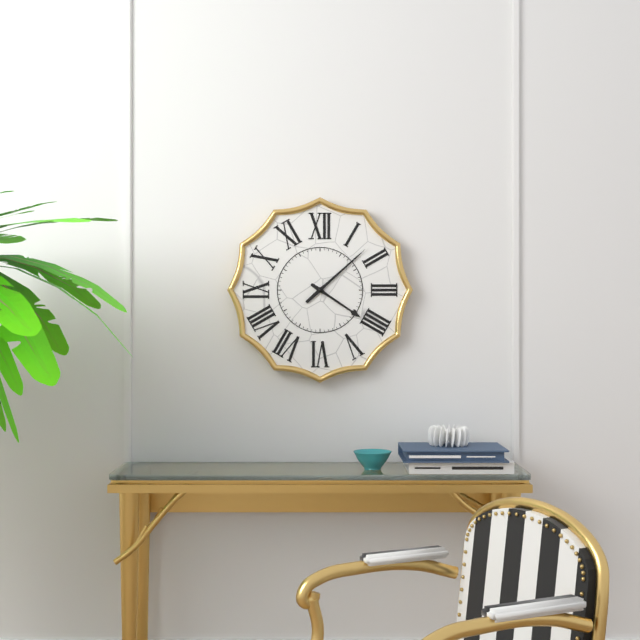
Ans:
4h08
